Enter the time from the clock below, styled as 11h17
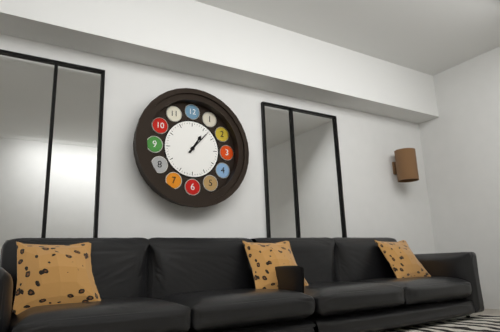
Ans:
1h07
